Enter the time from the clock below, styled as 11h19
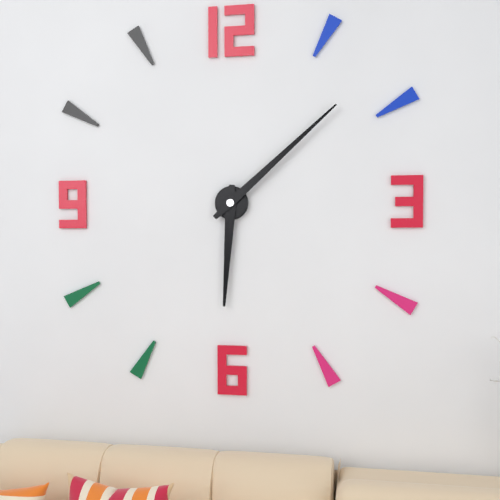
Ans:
6h08
